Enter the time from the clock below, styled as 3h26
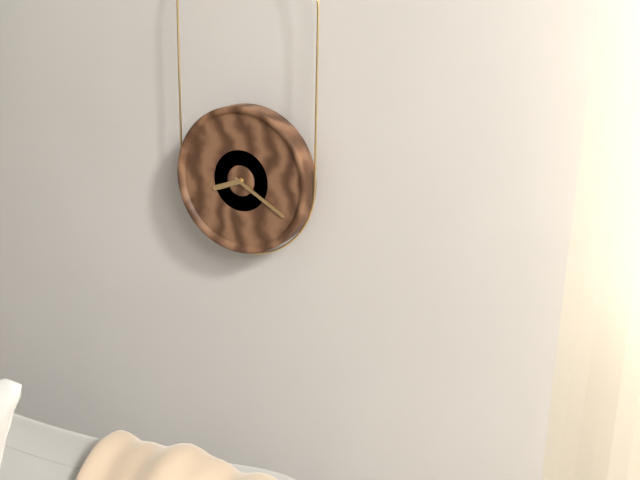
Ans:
8h20
